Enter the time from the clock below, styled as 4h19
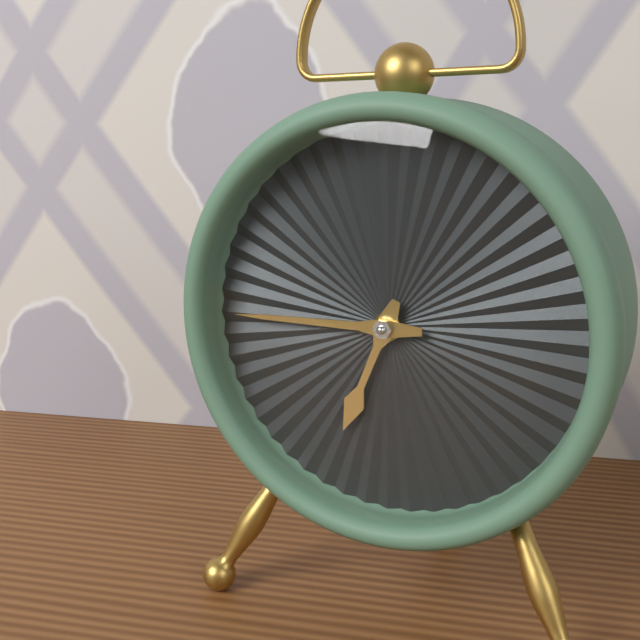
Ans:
6h45
